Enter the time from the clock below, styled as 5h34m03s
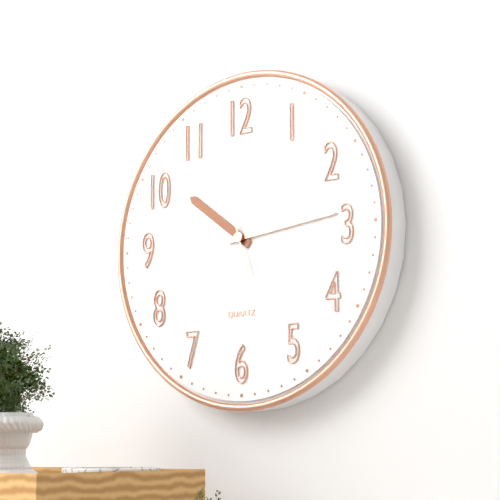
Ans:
10h14m57s
